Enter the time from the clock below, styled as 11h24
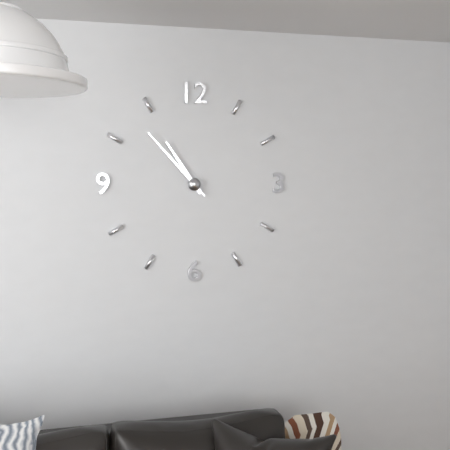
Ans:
10h53
